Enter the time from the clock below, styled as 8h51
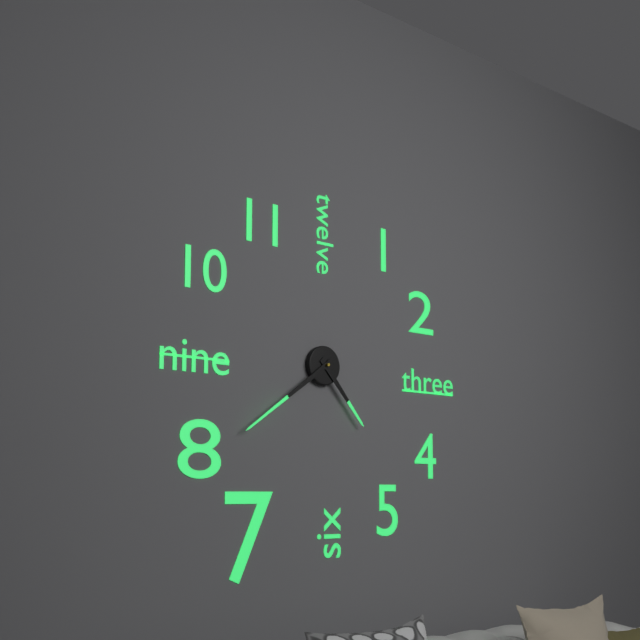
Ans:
4h39
